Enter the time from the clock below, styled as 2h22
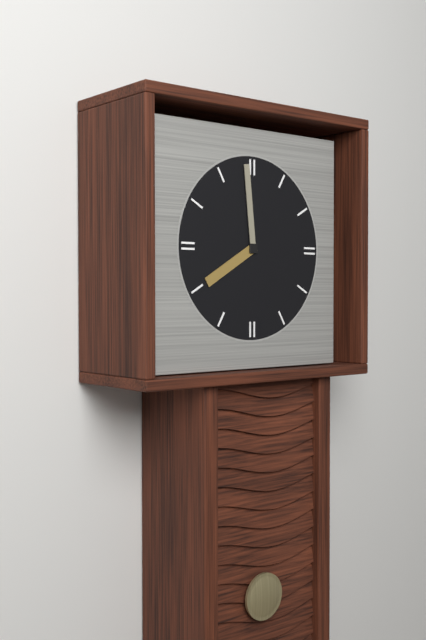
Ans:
7h59
